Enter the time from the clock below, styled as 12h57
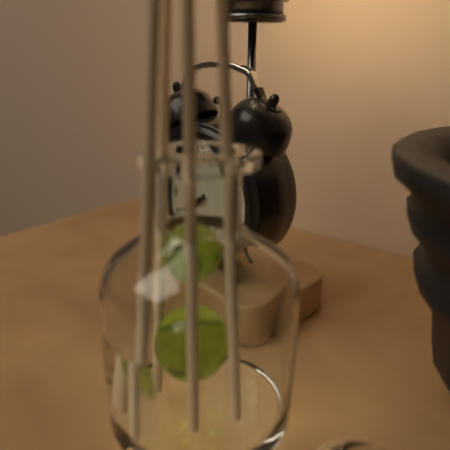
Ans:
7h40
